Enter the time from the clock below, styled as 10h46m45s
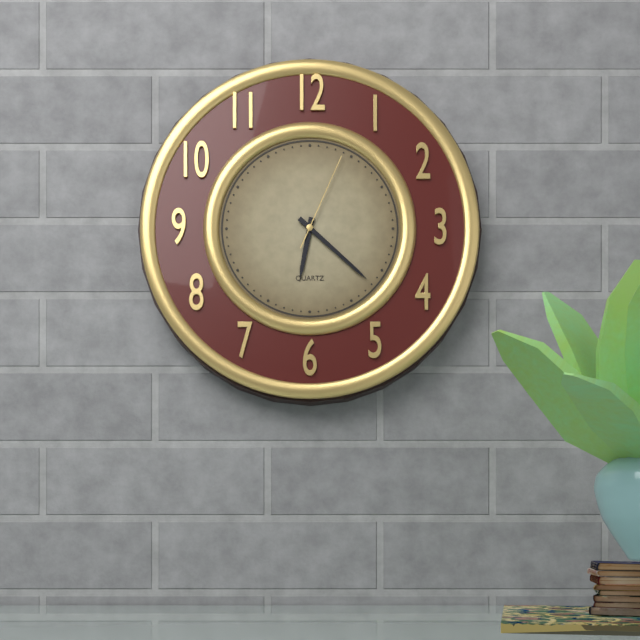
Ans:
6h22m04s
